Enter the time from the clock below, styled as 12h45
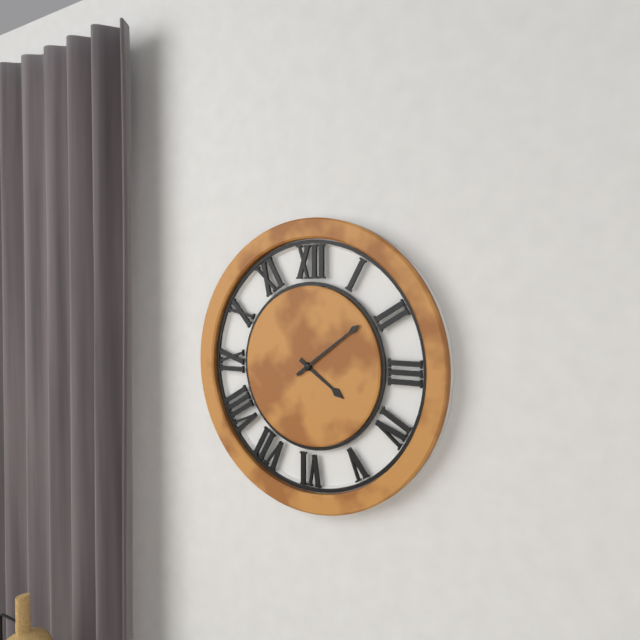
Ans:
4h09
